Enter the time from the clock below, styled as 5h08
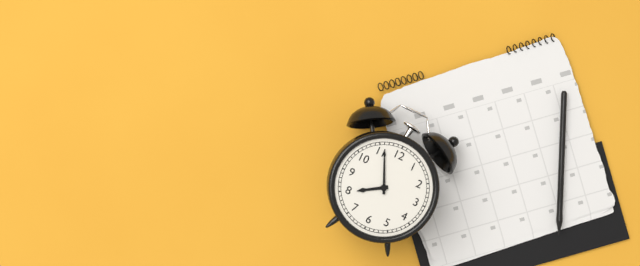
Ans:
7h56
